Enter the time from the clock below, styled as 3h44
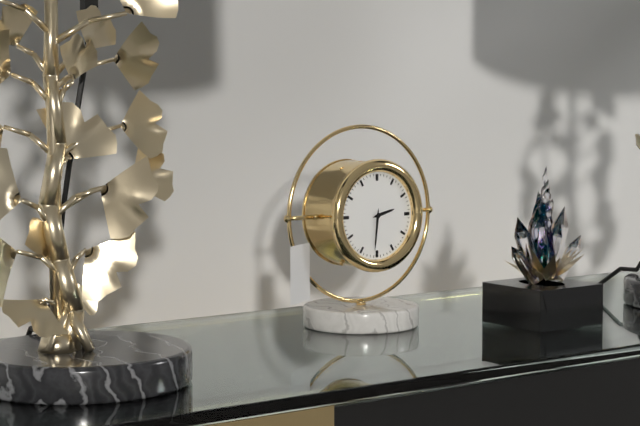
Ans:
2h31
